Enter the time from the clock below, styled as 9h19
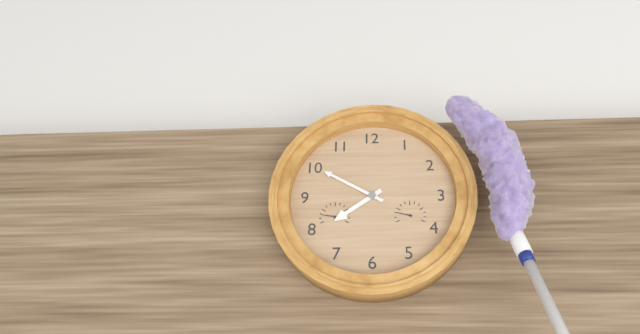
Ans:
7h50
